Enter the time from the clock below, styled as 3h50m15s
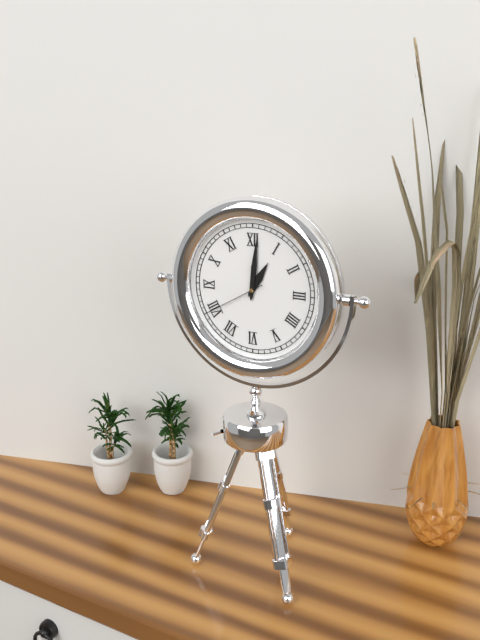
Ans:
1h01m40s
